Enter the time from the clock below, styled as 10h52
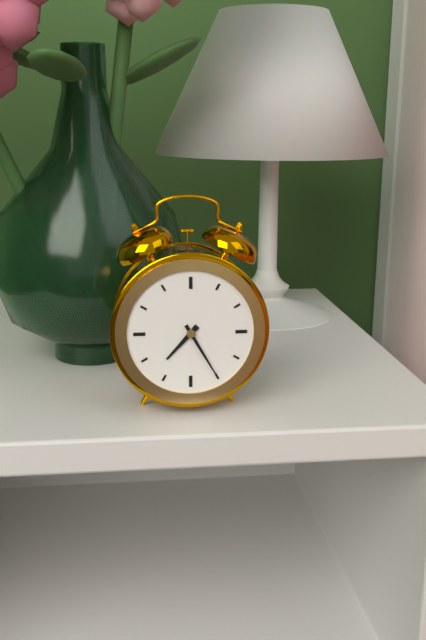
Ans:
7h25
